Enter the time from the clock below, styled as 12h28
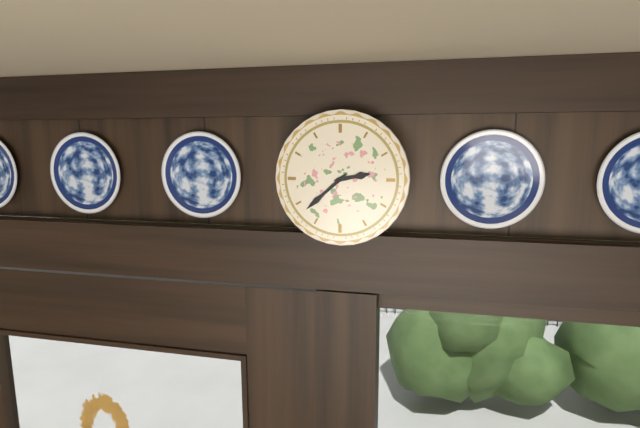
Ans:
2h38
